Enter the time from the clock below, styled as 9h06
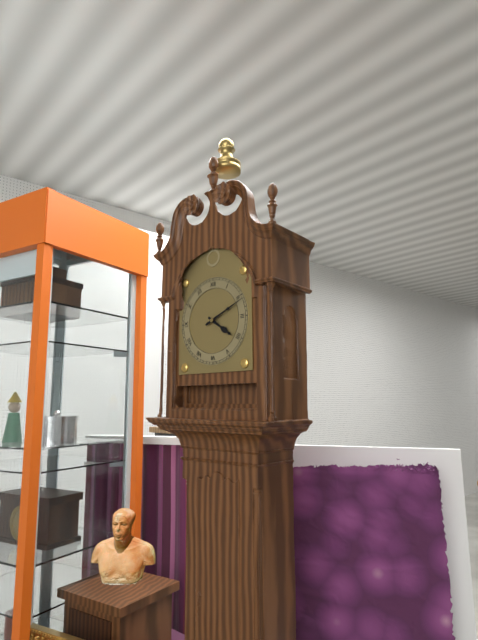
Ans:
4h11
